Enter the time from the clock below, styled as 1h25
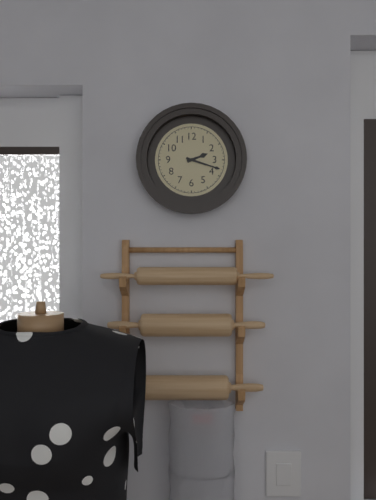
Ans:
2h18
